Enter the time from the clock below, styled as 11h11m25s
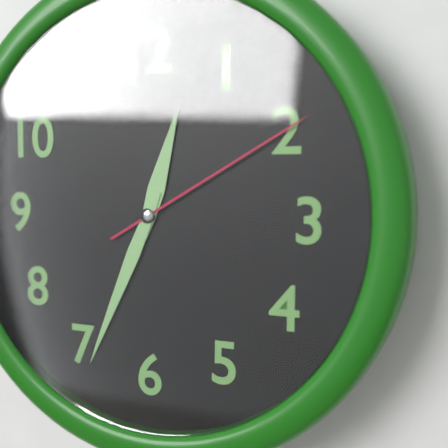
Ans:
12h34m10s
